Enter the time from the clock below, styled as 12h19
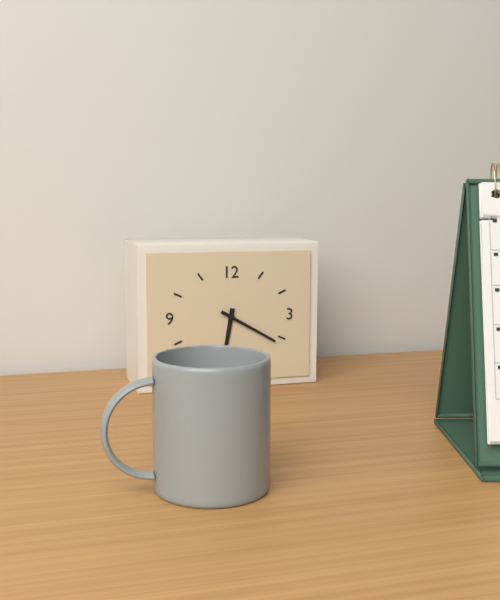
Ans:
6h20
